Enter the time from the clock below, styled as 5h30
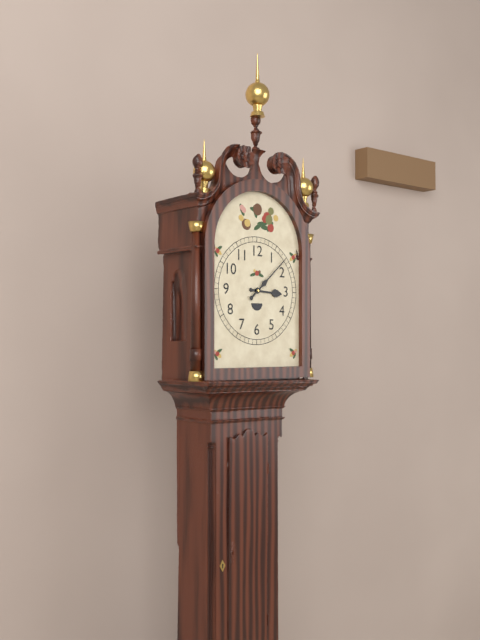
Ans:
3h08
